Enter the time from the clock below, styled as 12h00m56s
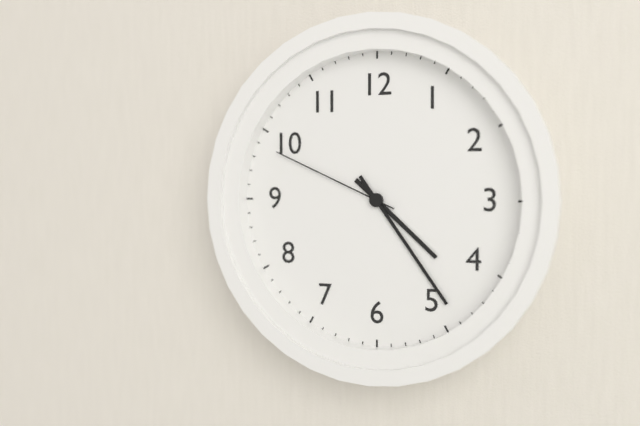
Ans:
4h24m49s
